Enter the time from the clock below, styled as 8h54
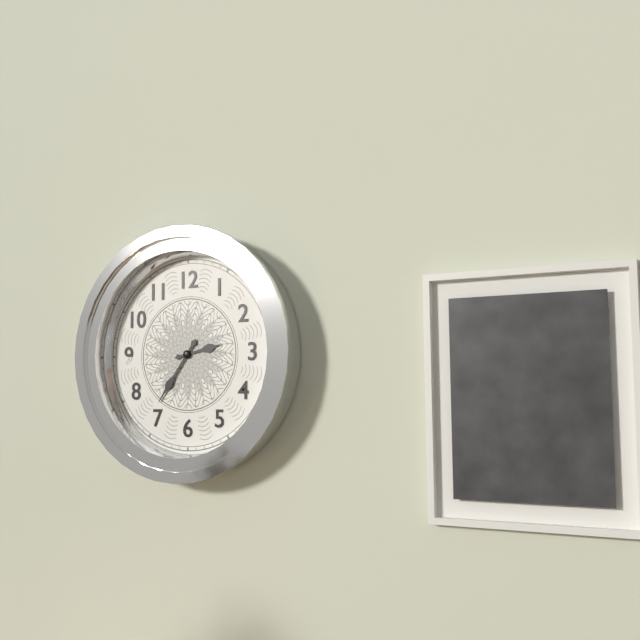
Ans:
2h36
